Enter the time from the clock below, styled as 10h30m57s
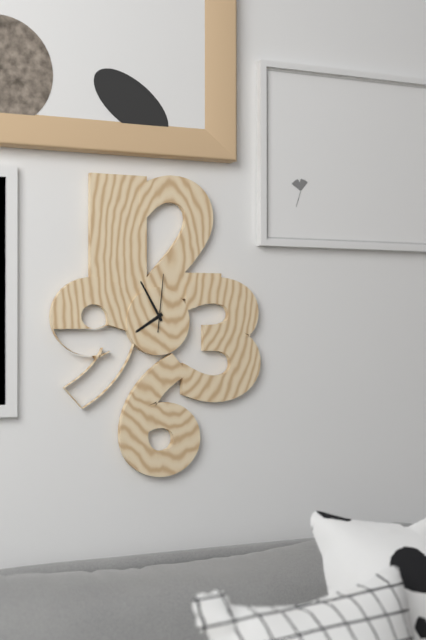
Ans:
7h55m01s
